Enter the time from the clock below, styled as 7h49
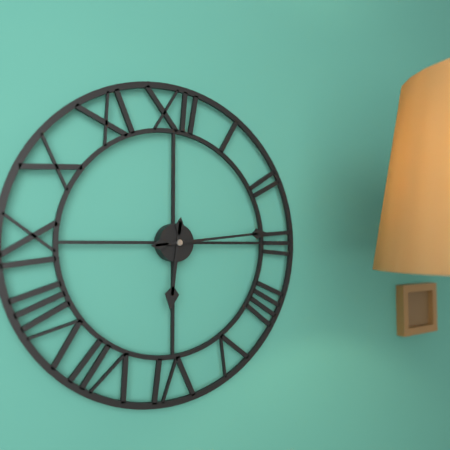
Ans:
6h14
